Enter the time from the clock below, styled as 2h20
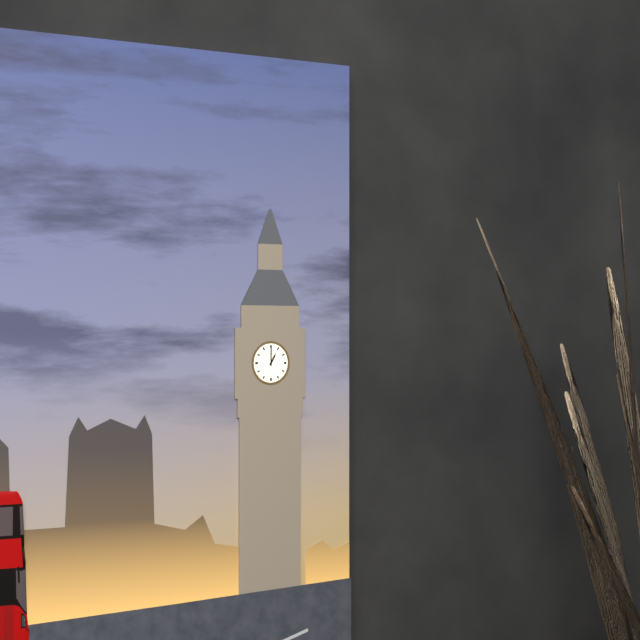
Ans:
1h00
